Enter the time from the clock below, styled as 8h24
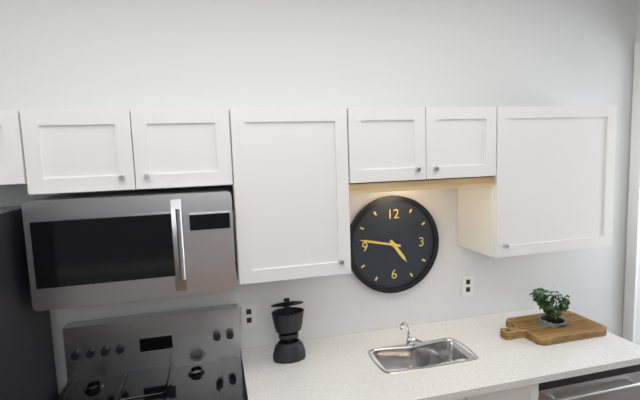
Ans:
4h47
